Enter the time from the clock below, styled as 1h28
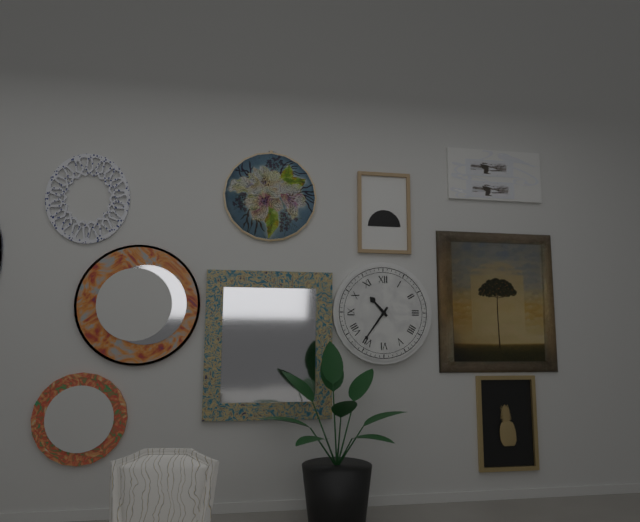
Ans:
10h36
